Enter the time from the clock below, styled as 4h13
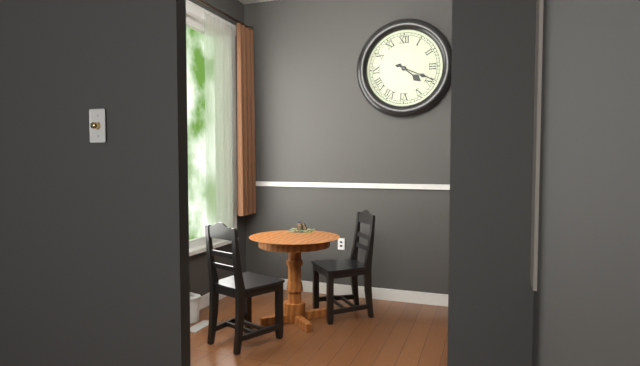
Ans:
4h19
